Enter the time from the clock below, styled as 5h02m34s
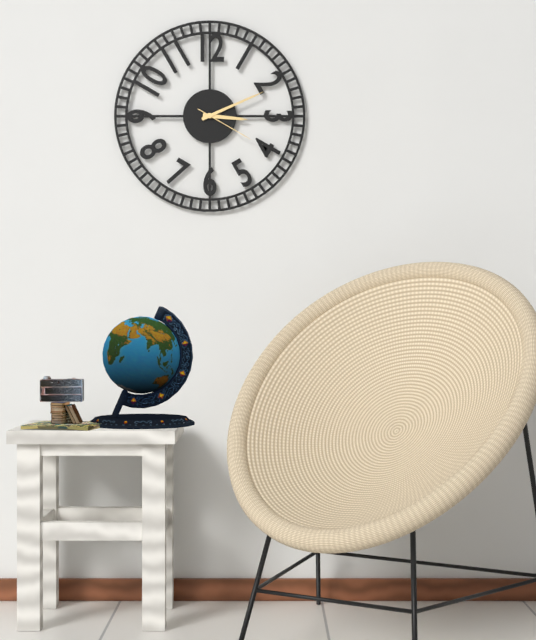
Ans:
3h11m20s
